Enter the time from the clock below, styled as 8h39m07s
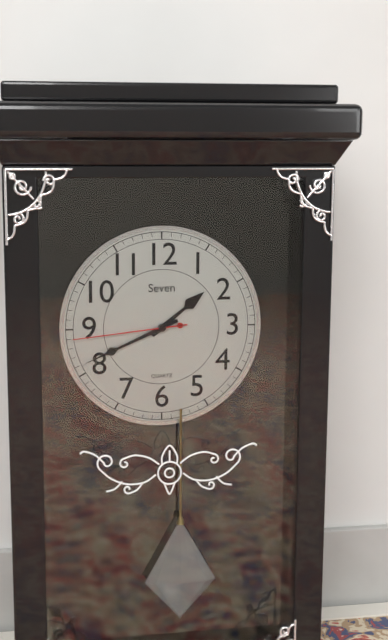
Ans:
1h41m44s
